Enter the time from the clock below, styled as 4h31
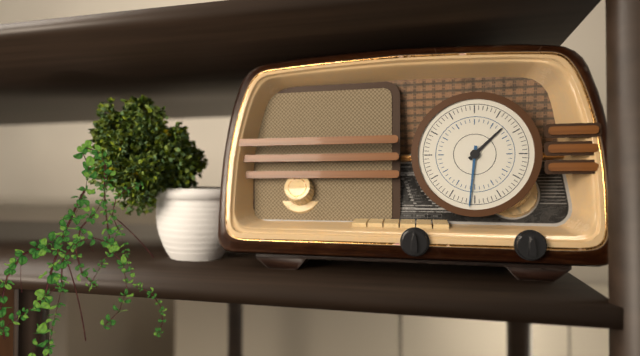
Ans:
1h31
